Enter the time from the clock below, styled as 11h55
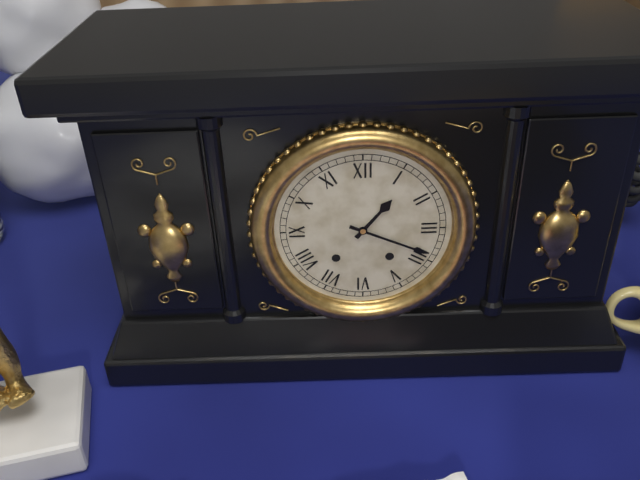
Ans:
1h19
